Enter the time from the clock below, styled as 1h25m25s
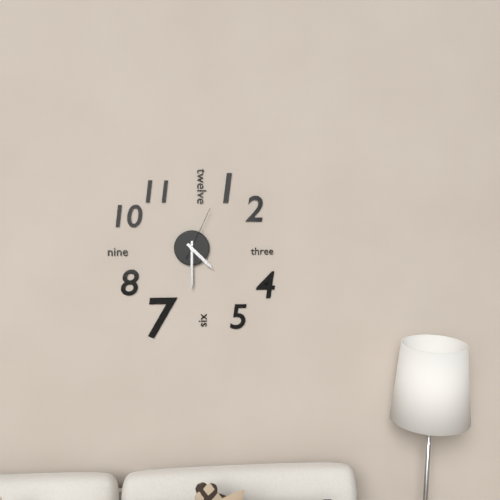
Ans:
4h30m04s
